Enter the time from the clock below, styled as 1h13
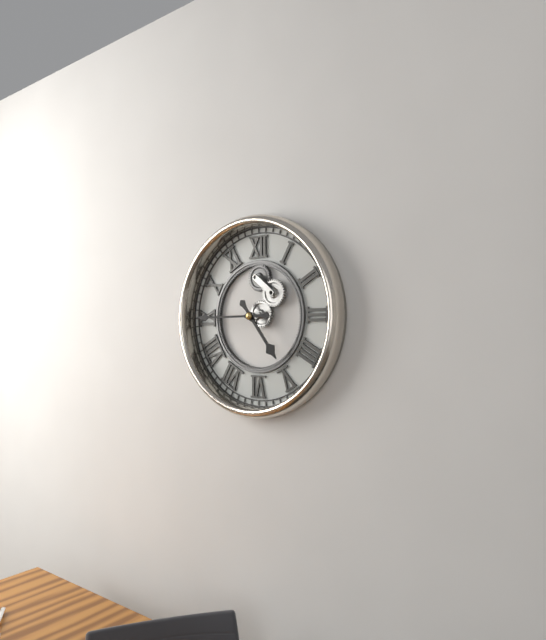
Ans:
4h45
